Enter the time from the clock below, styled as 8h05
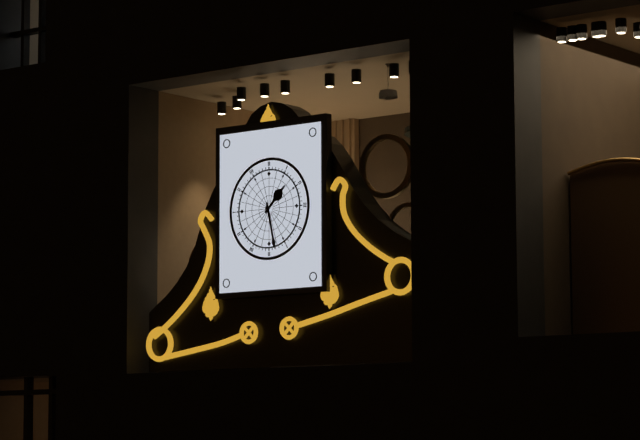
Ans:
1h28
